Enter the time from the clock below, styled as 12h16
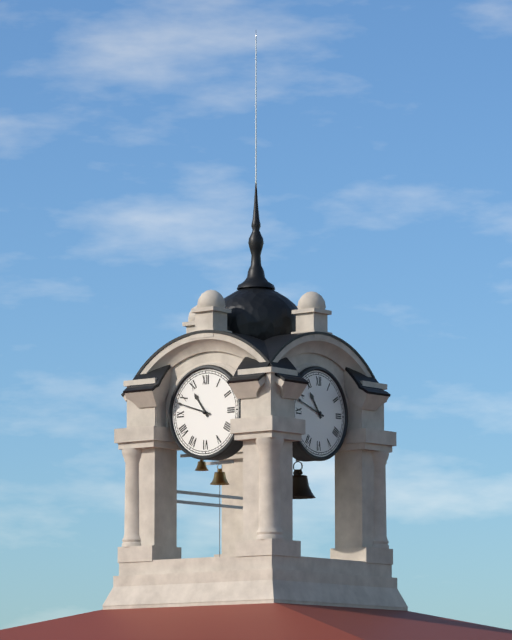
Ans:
10h48
